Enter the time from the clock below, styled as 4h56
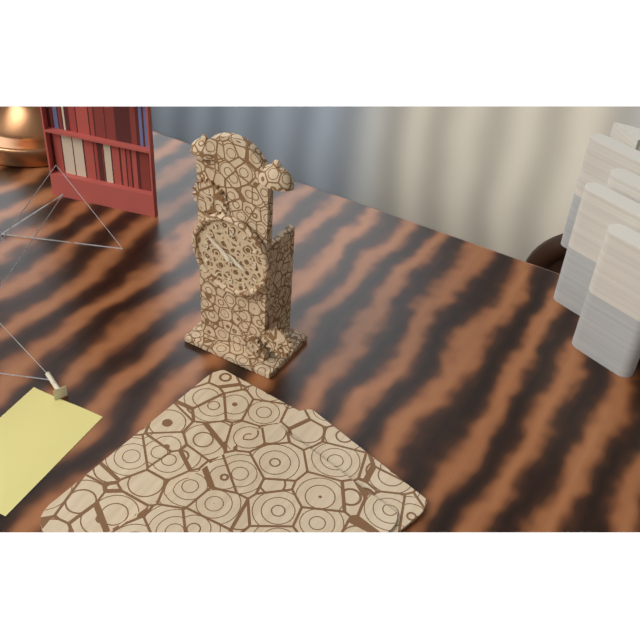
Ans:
3h51
